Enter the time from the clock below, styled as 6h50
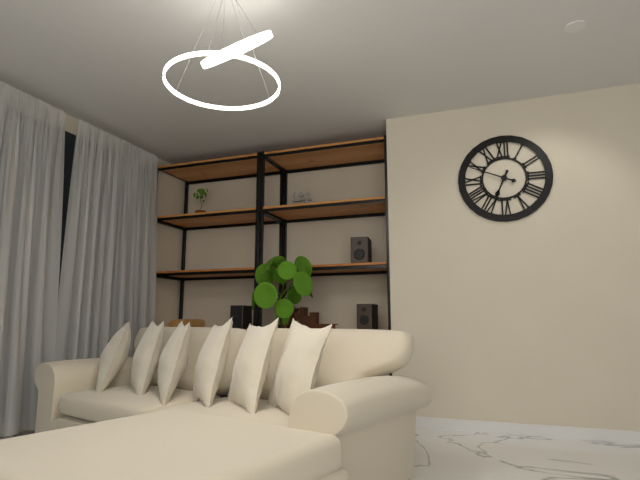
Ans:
6h49
